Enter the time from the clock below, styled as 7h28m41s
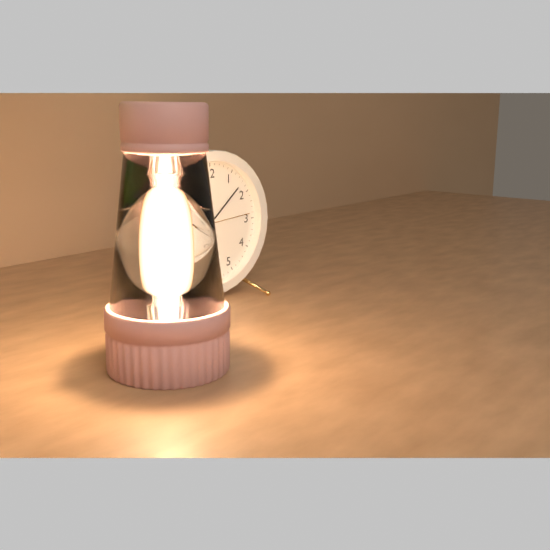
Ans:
7h08m14s
